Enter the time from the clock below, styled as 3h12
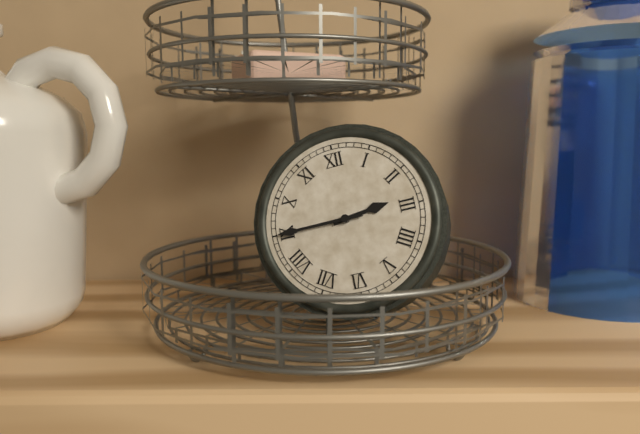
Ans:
2h45
